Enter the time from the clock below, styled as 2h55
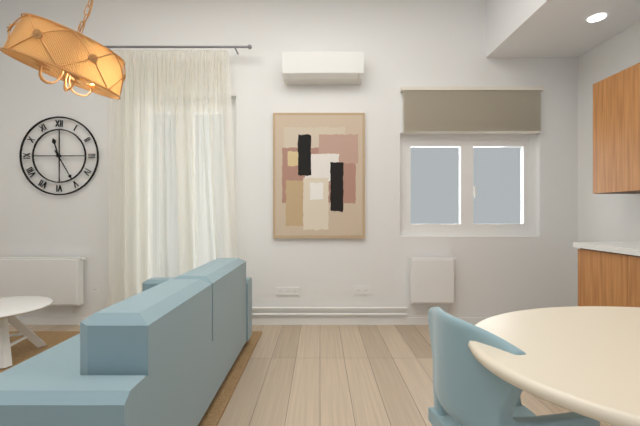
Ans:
11h25
